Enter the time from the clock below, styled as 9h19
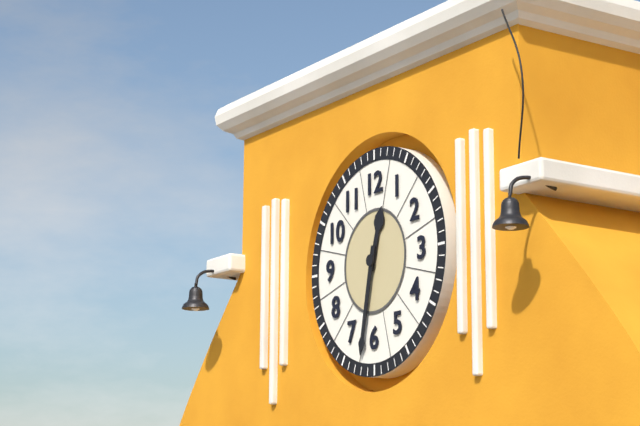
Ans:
12h32
